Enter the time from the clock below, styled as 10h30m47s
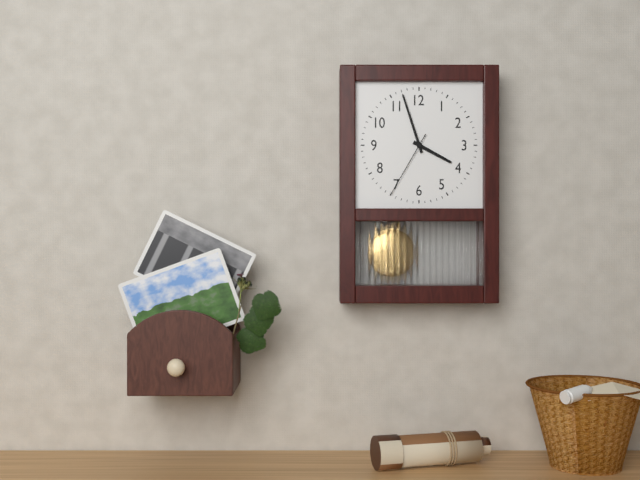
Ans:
3h57m35s
